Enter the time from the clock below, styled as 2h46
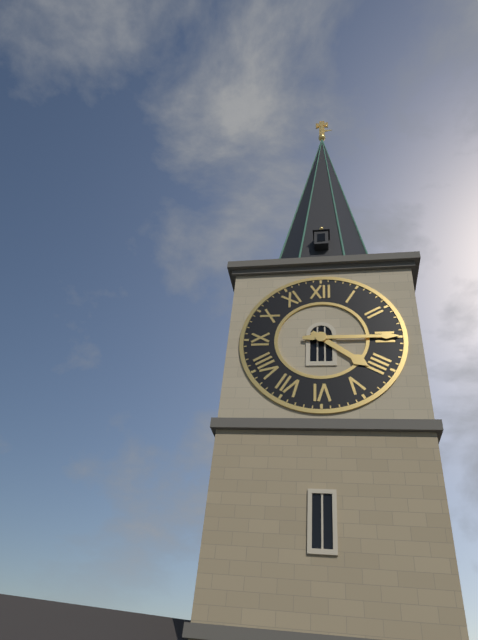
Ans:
4h15
